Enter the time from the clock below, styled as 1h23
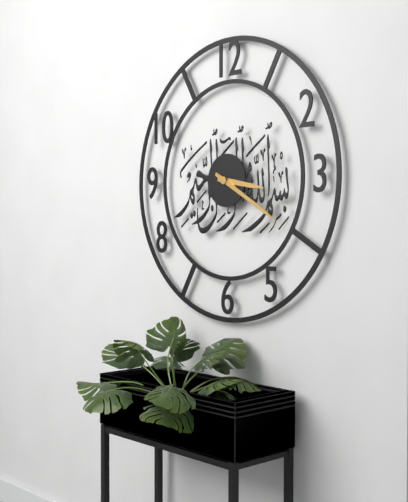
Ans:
3h20
